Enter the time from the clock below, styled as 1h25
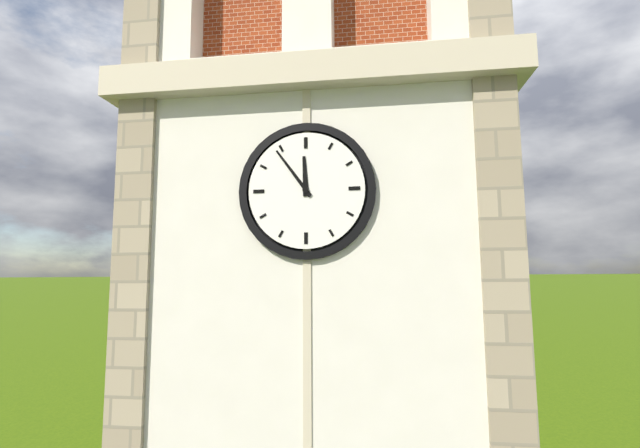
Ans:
11h54
